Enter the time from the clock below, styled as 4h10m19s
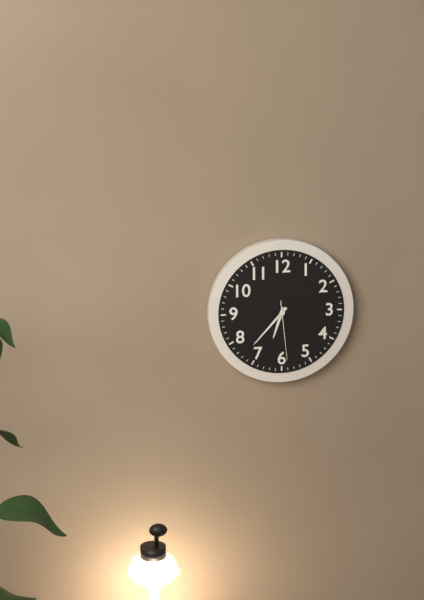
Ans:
6h37m29s
